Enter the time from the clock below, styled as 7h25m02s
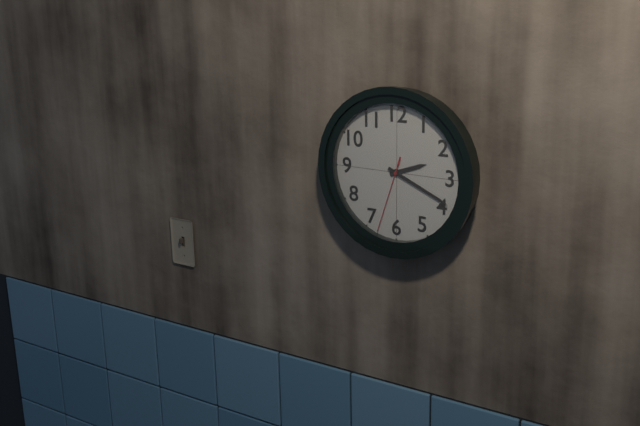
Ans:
2h19m33s
